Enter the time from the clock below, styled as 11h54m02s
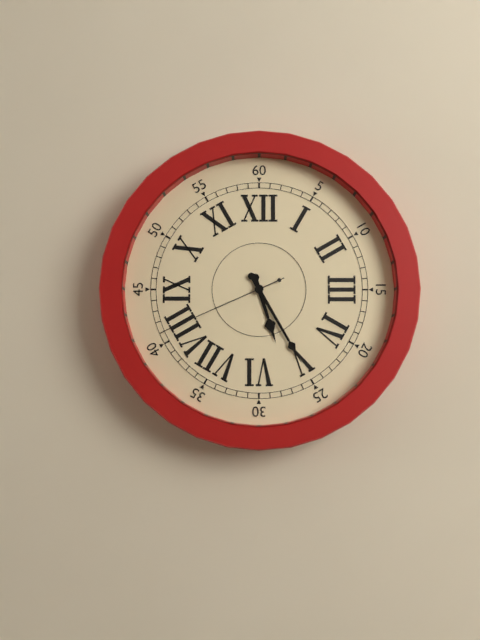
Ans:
5h25m41s
